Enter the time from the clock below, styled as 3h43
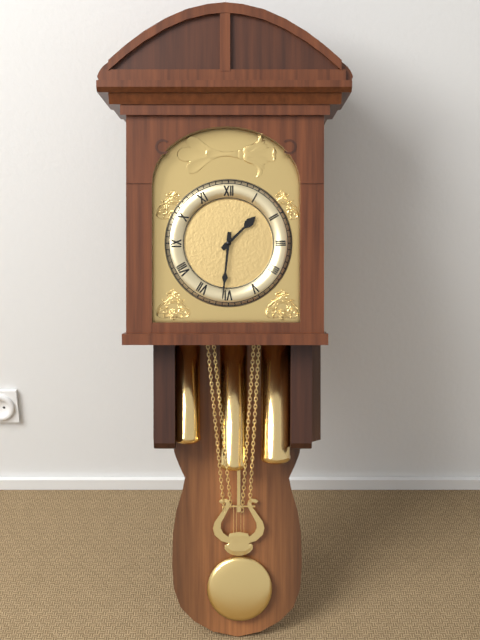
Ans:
1h31
